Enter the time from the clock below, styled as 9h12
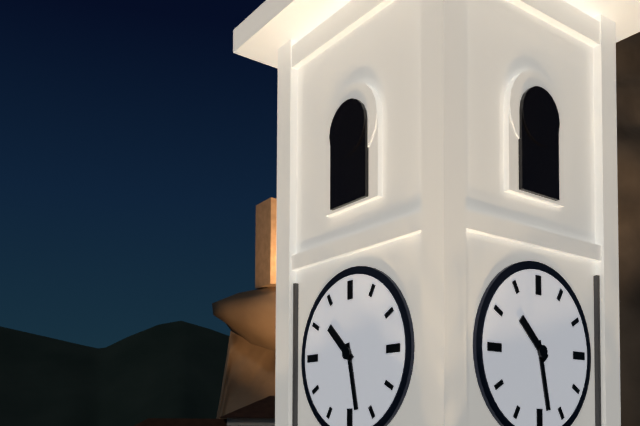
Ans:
10h28
